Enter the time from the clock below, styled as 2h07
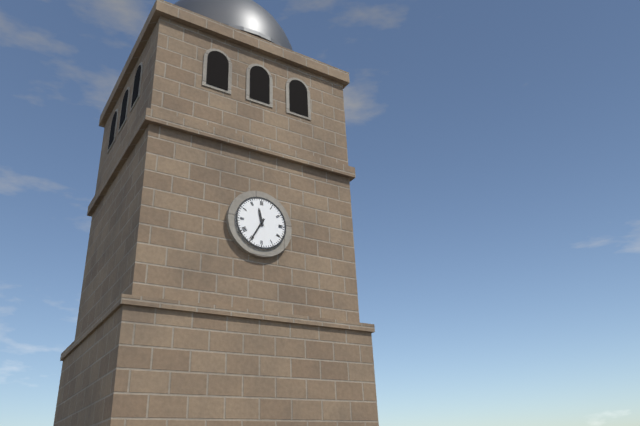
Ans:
11h35
